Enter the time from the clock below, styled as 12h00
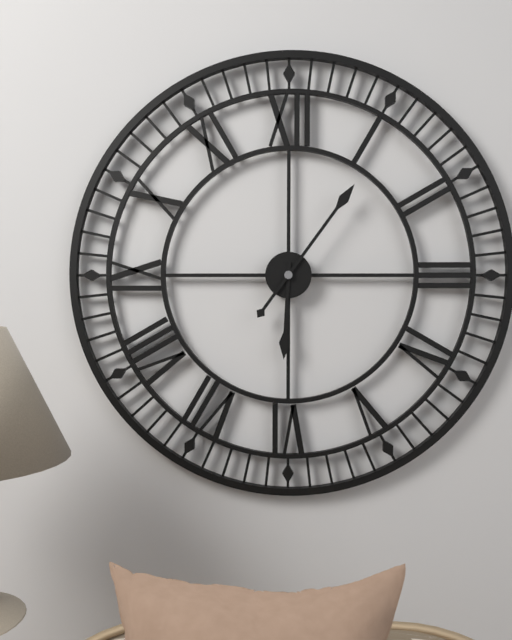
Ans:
6h06
